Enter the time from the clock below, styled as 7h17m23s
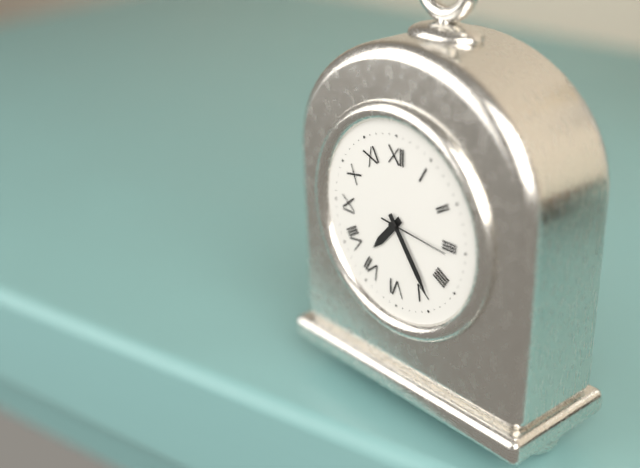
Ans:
7h24m16s
